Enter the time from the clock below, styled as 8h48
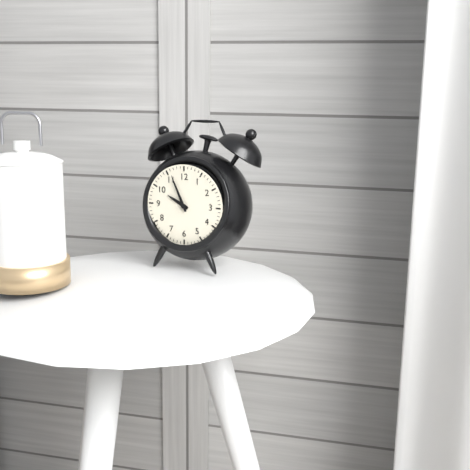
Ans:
9h56
